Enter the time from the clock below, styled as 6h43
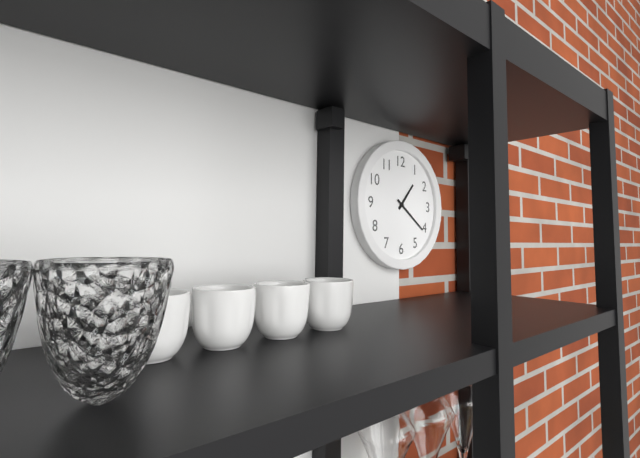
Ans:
1h21
